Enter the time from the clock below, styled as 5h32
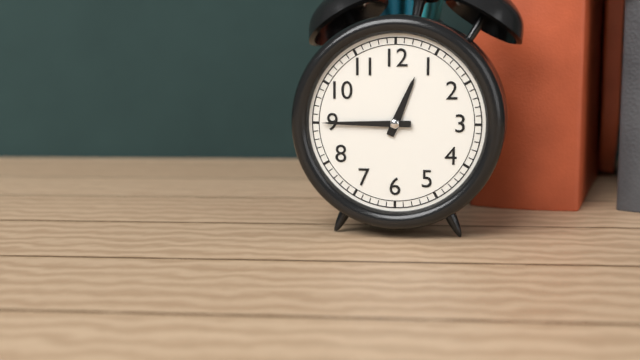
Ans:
12h45
